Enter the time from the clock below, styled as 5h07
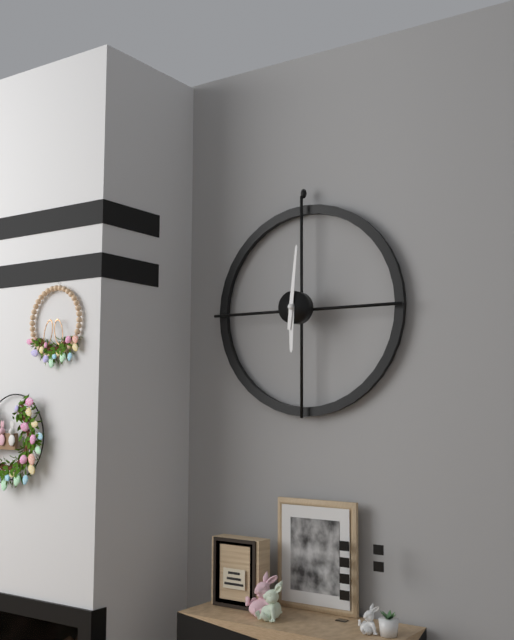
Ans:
6h01
